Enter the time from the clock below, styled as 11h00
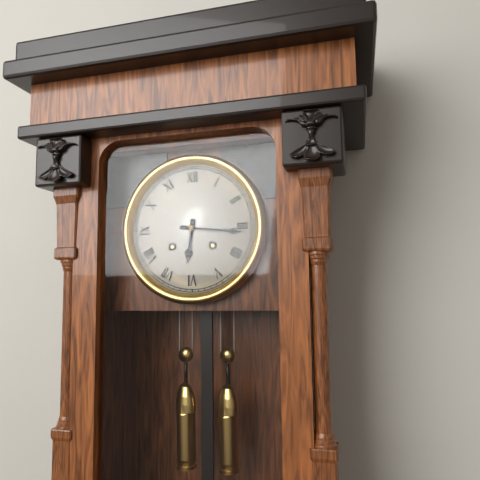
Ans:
6h16
